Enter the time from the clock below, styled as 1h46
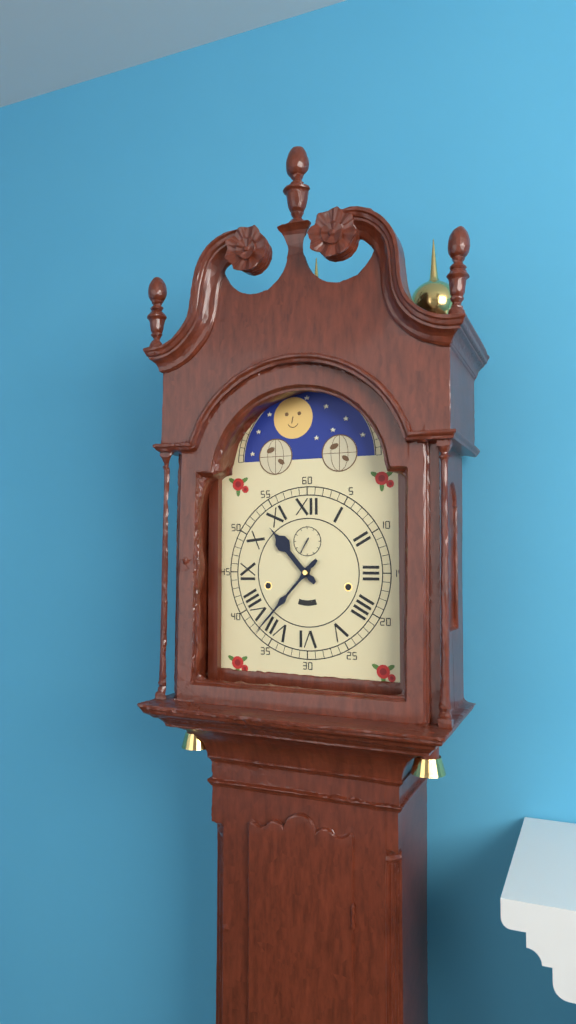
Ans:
10h37
